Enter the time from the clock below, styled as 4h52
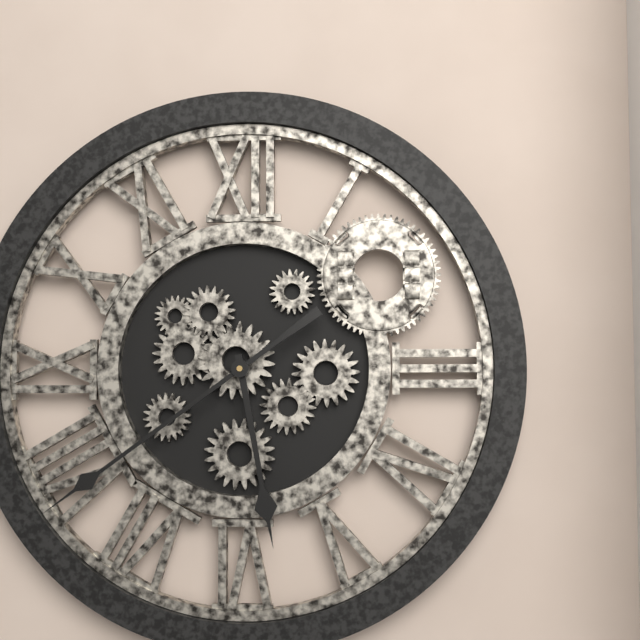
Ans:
5h39
